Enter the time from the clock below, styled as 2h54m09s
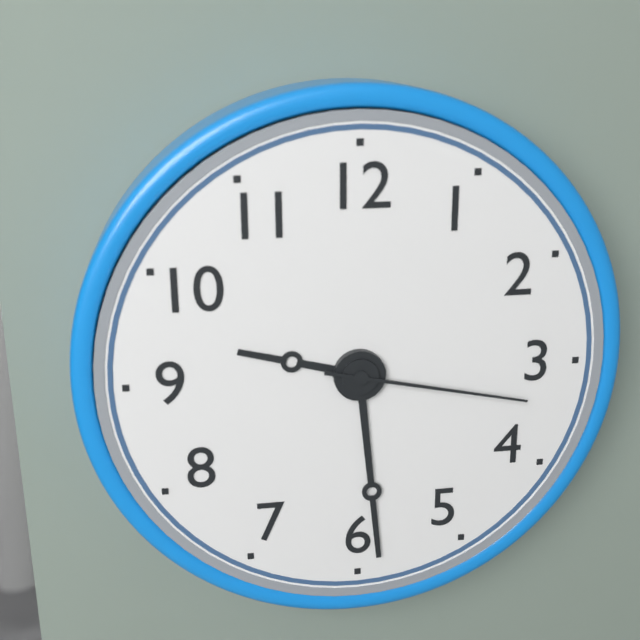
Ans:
9h29m17s
